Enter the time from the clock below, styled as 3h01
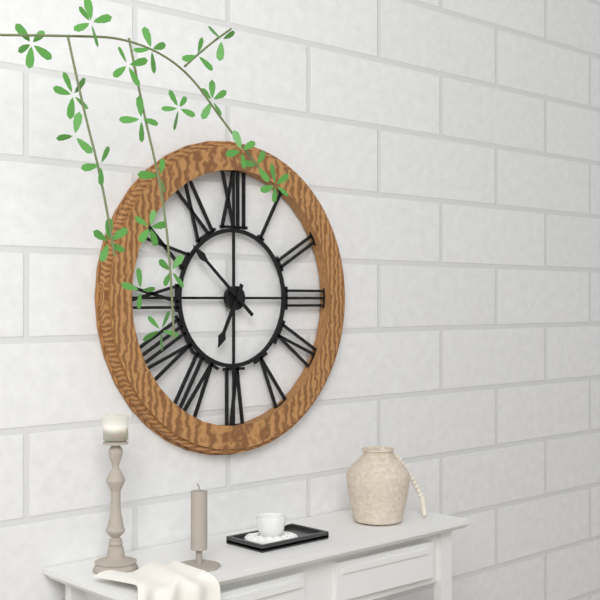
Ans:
6h52
